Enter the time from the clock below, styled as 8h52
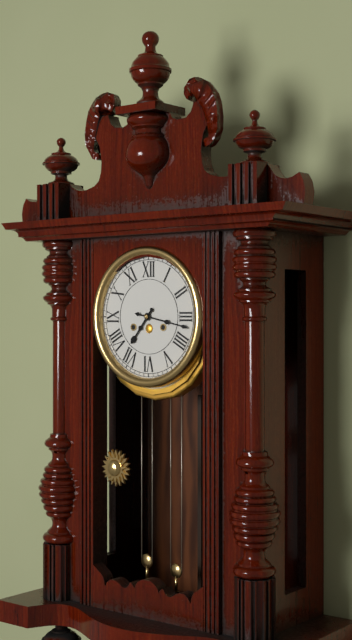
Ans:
7h17
